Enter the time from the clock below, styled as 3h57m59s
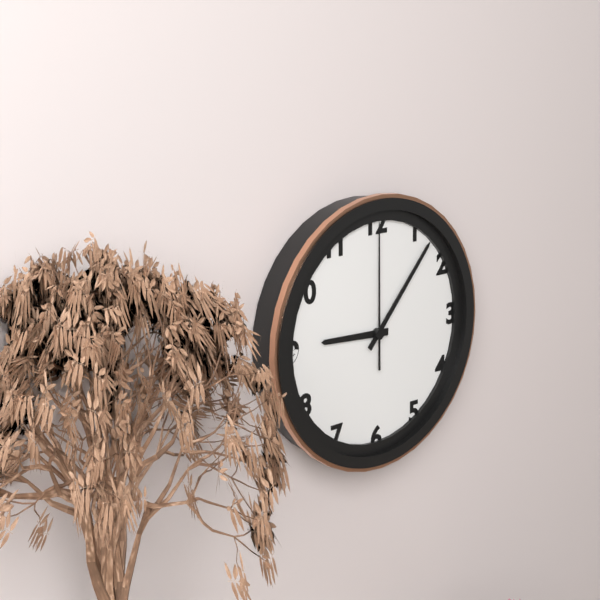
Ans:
9h07m00s
